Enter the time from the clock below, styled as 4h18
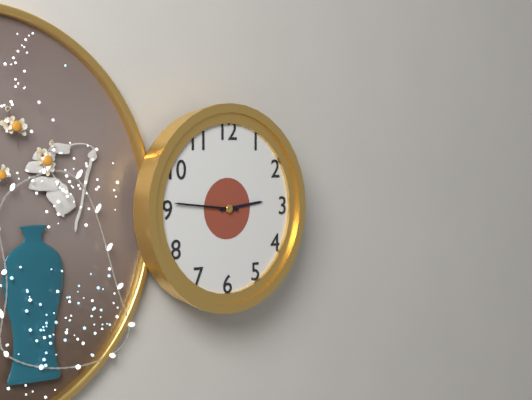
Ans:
2h46
